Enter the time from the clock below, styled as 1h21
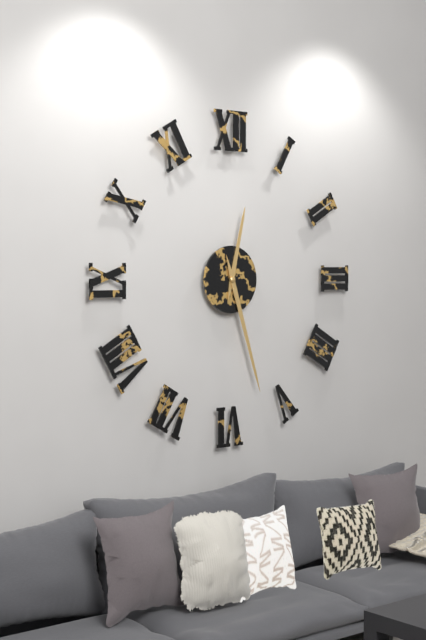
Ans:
12h27
